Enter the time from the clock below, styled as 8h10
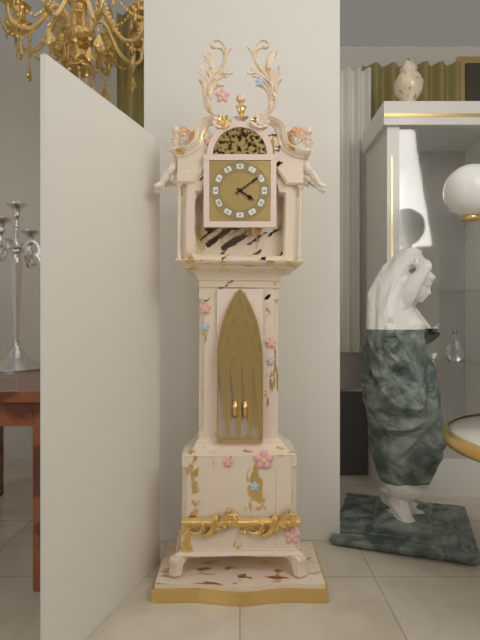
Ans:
4h09
